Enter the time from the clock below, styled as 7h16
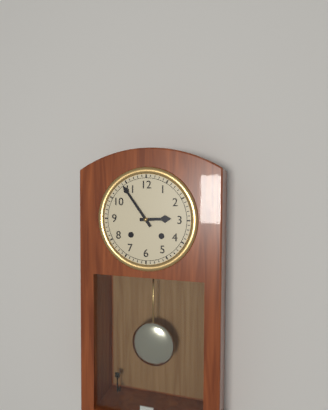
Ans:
2h54
